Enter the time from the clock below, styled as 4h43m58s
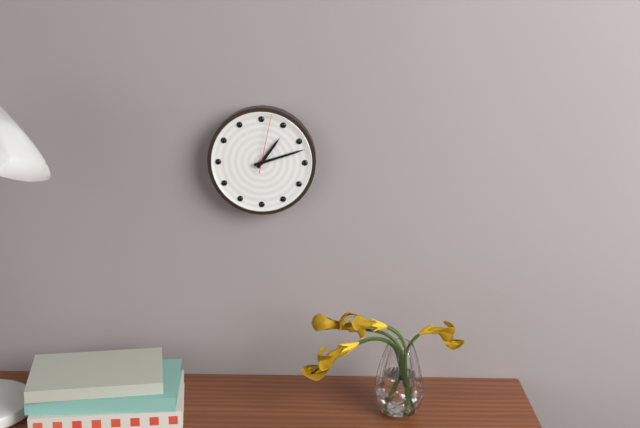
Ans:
1h12m02s
